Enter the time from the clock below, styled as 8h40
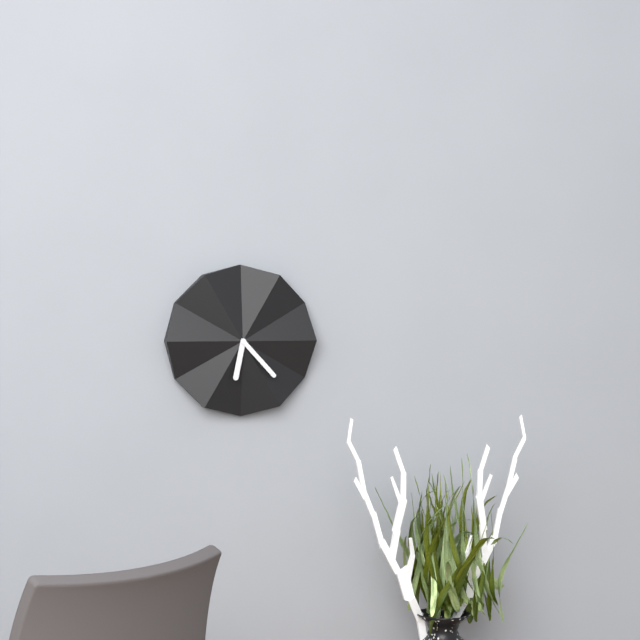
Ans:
6h23
